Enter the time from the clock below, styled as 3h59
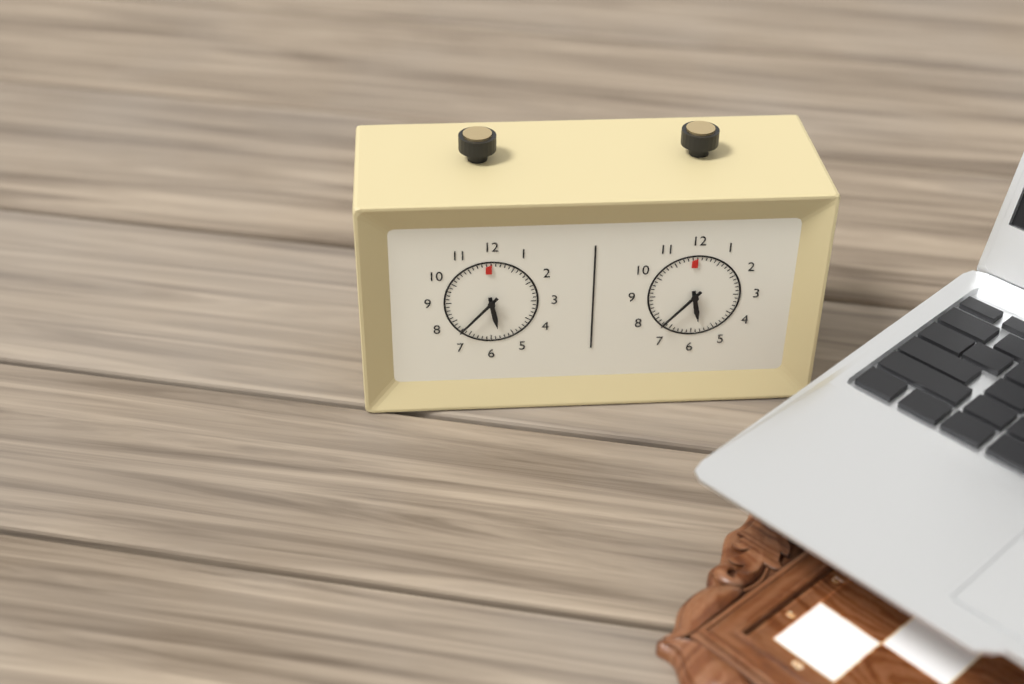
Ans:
5h37
